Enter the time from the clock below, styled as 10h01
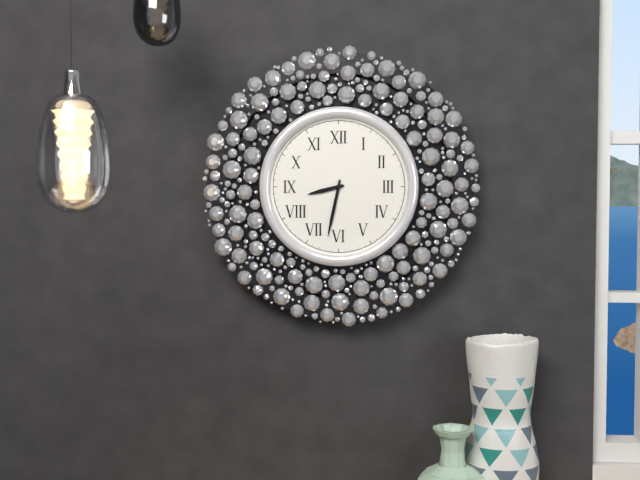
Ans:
8h32
